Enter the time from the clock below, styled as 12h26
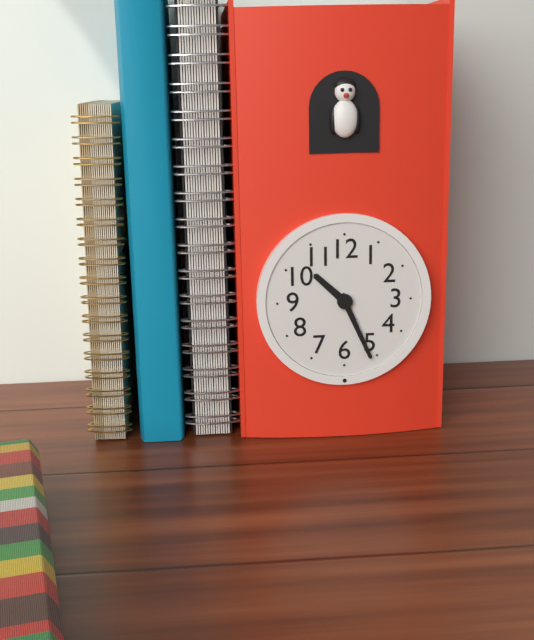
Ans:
10h26
